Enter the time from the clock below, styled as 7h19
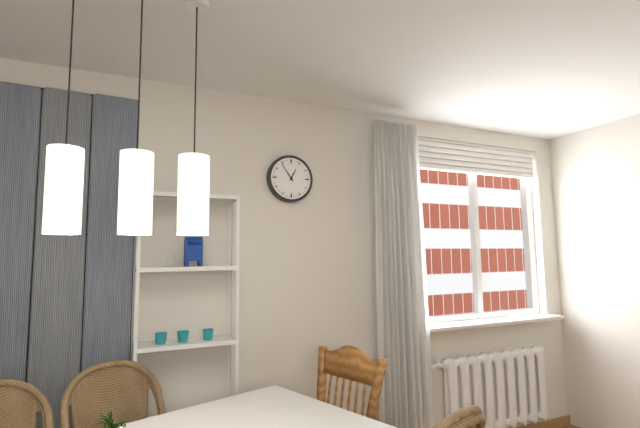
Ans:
12h54
